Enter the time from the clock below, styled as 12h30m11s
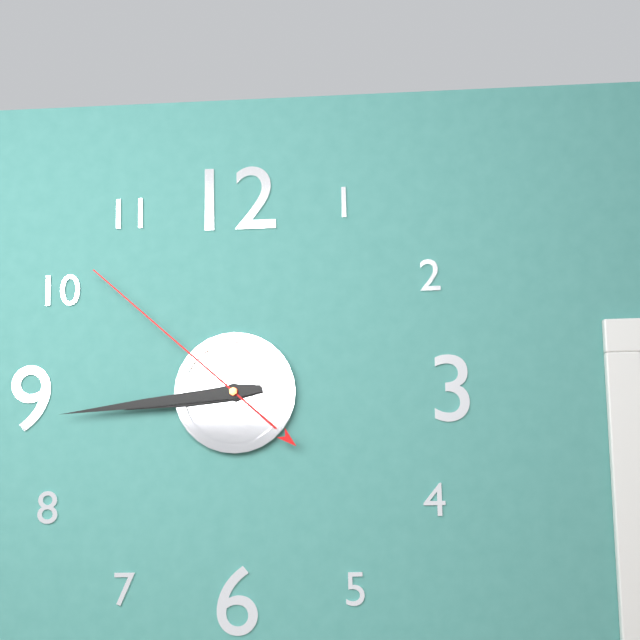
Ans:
8h44m52s
